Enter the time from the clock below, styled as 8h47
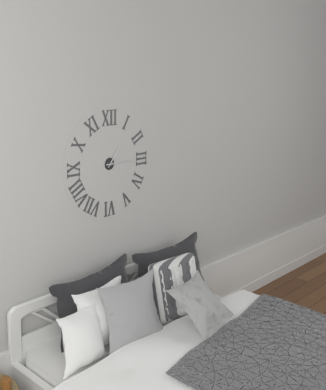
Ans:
1h15
